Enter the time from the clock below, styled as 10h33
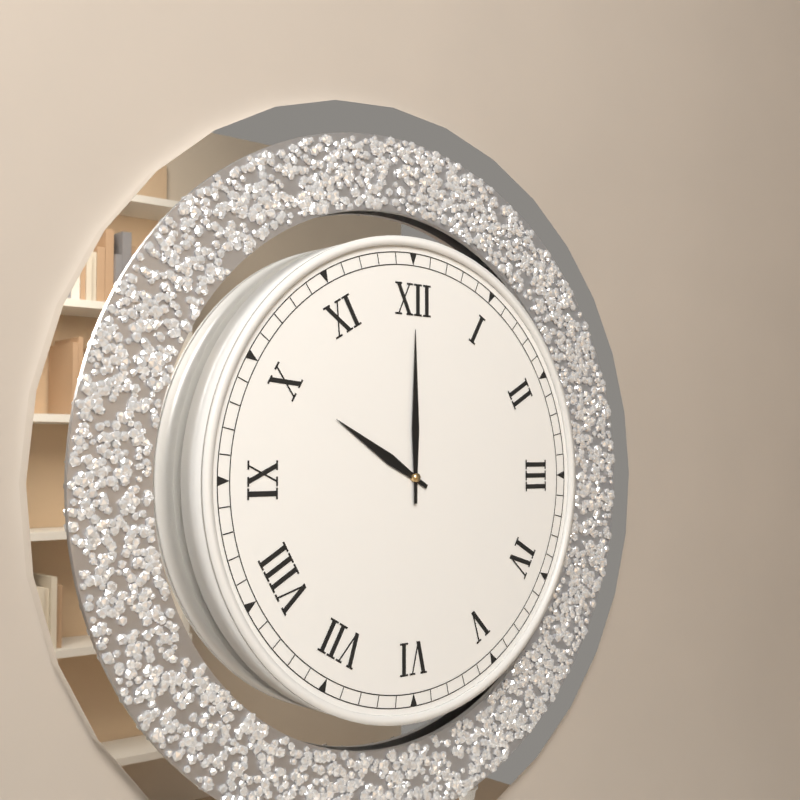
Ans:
10h00
